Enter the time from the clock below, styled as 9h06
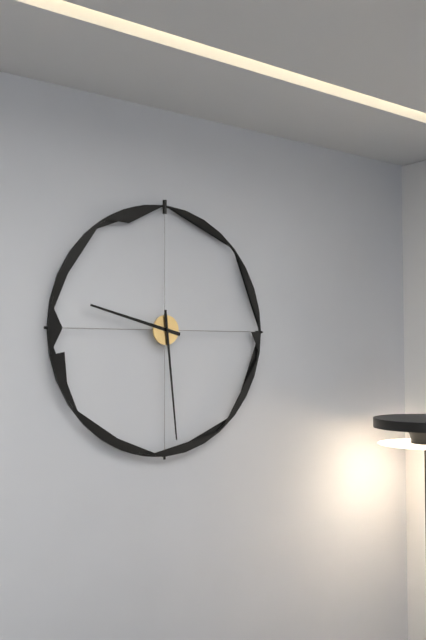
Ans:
9h29
